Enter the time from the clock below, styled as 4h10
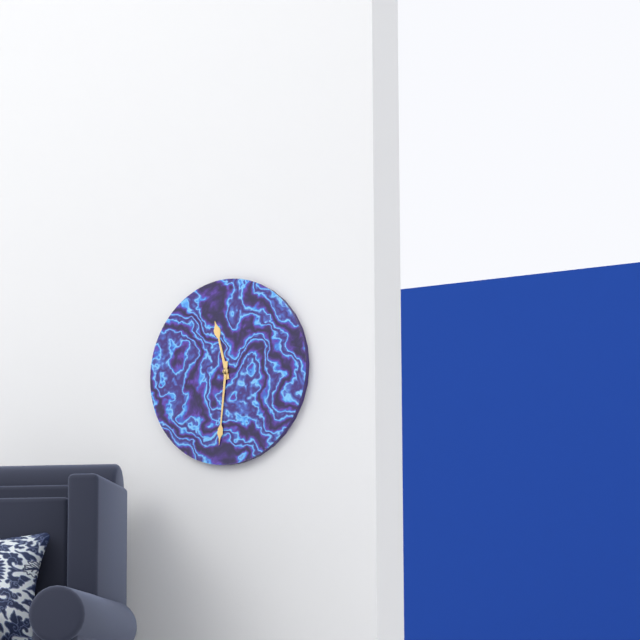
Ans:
11h31
